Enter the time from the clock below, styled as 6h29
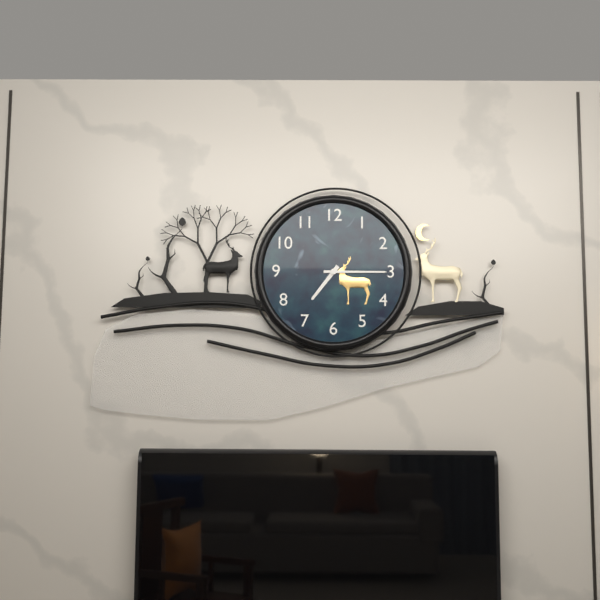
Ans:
7h15
